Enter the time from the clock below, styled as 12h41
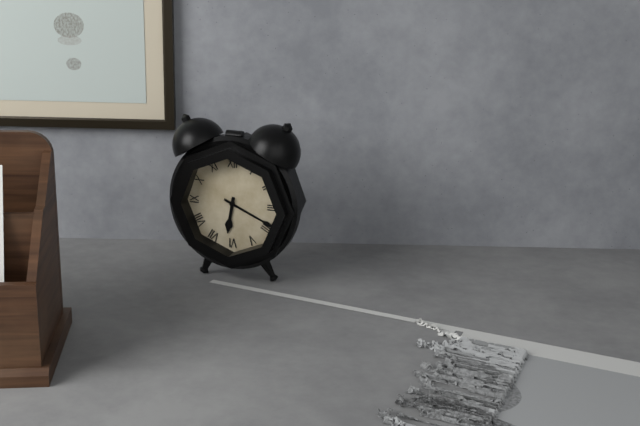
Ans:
6h19
